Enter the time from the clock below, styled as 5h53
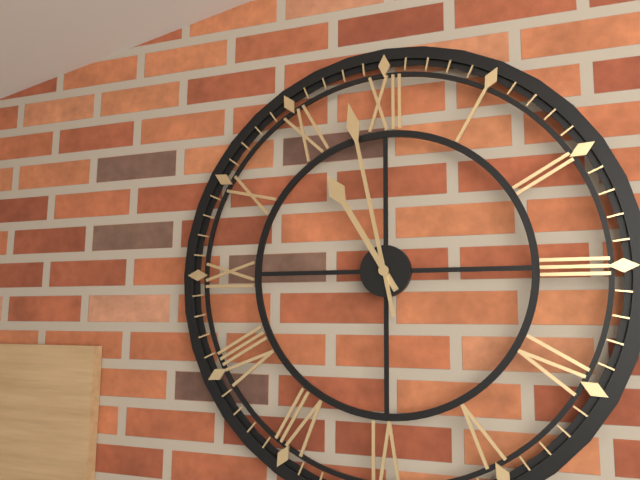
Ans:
10h58
